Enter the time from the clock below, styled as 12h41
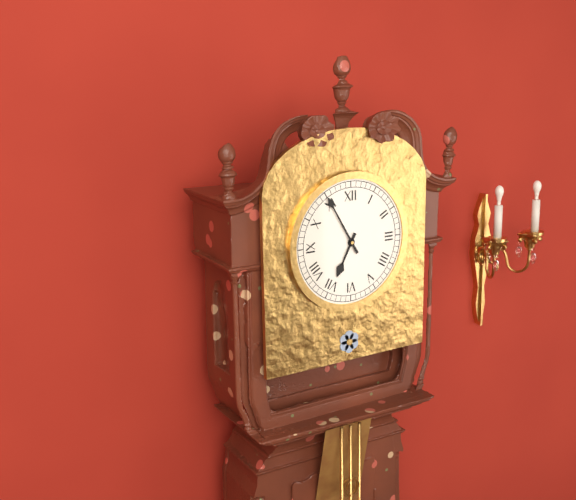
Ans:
6h55
